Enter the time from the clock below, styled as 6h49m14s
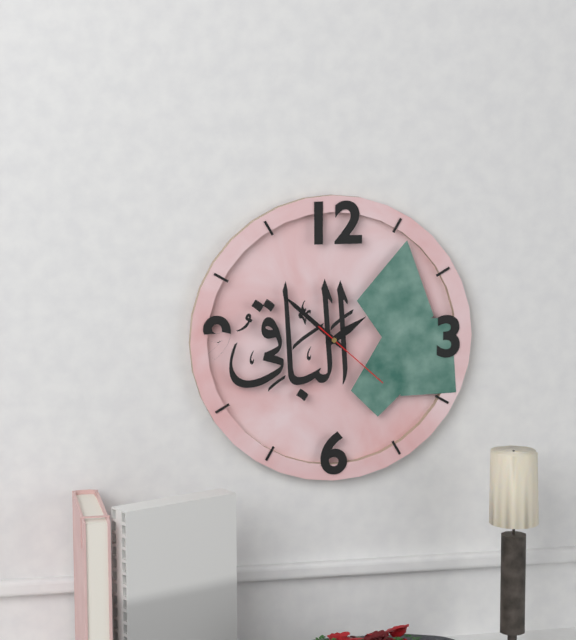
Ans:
1h52m22s
